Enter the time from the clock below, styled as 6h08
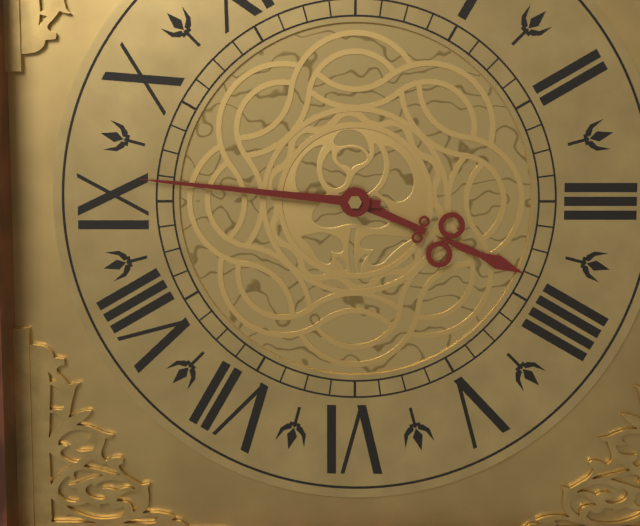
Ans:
3h46
